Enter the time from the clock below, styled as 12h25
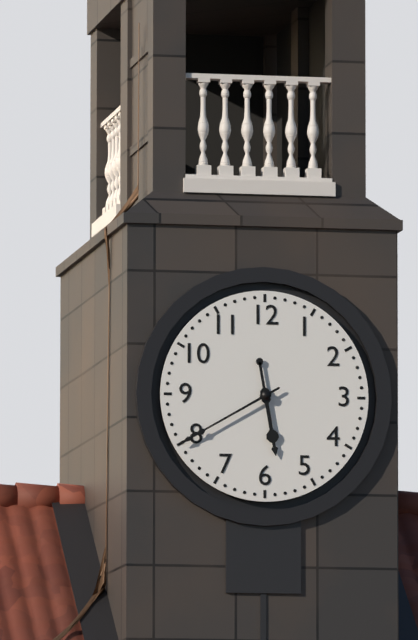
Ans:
5h40
